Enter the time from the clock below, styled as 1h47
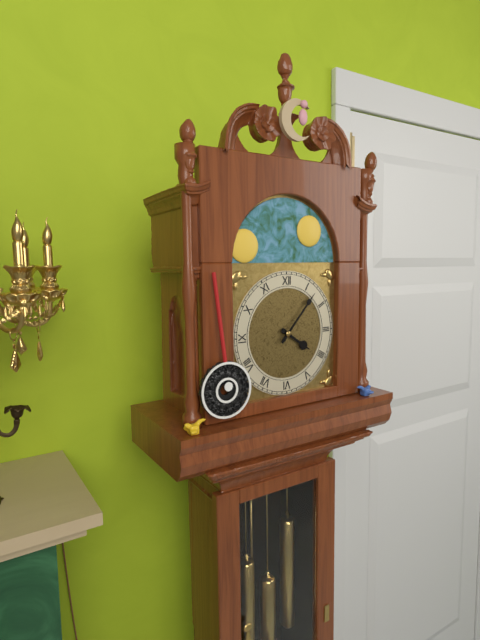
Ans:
4h07
